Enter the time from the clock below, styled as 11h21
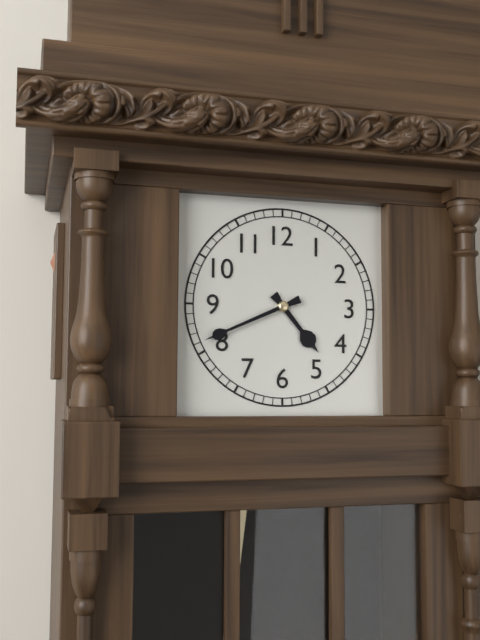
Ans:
4h41
